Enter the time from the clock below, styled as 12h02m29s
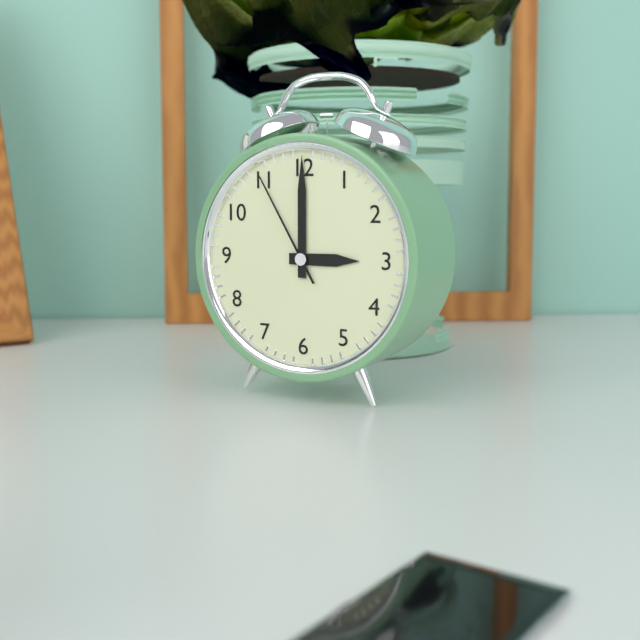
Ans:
3h00m55s
